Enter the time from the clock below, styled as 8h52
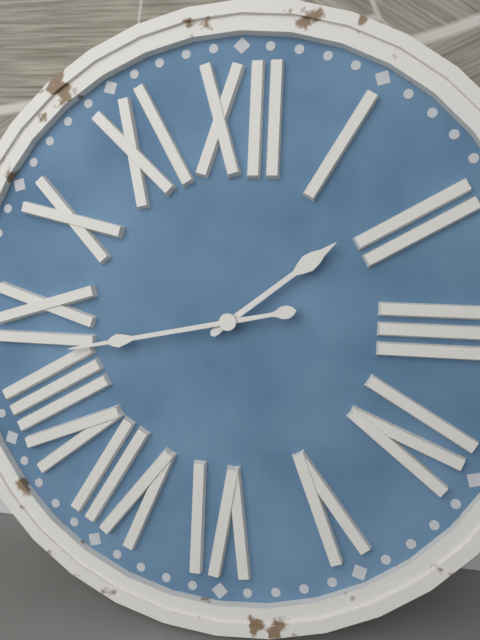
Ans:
1h43
